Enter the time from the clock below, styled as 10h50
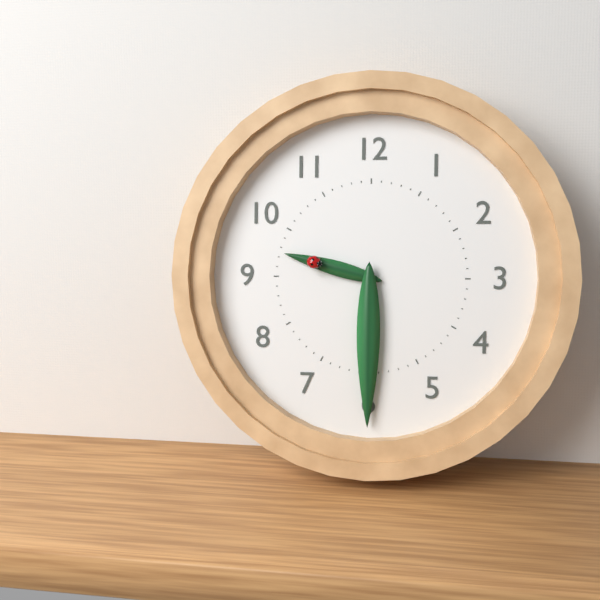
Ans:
9h30
